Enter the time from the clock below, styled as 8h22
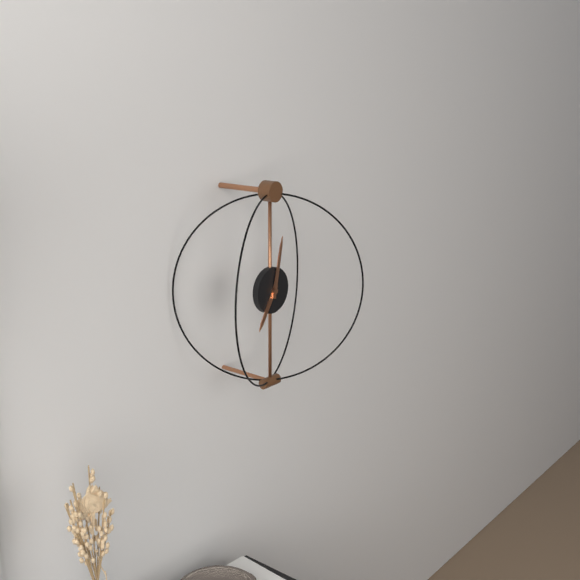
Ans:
7h02
